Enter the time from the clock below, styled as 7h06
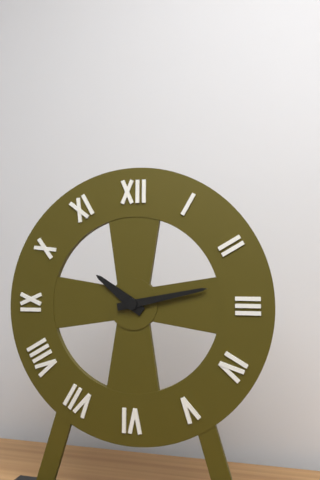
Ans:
10h13
